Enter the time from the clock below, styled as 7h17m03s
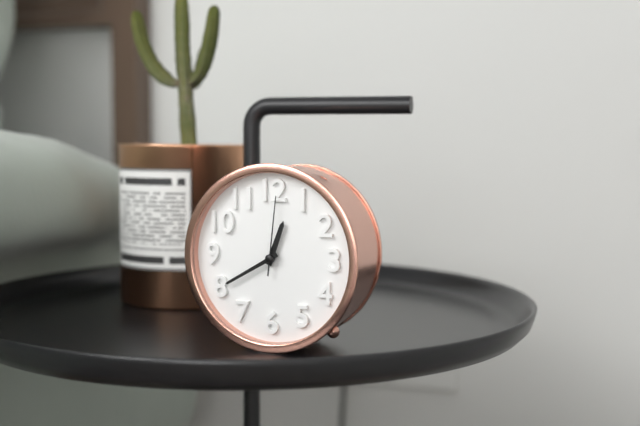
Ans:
12h40m01s
